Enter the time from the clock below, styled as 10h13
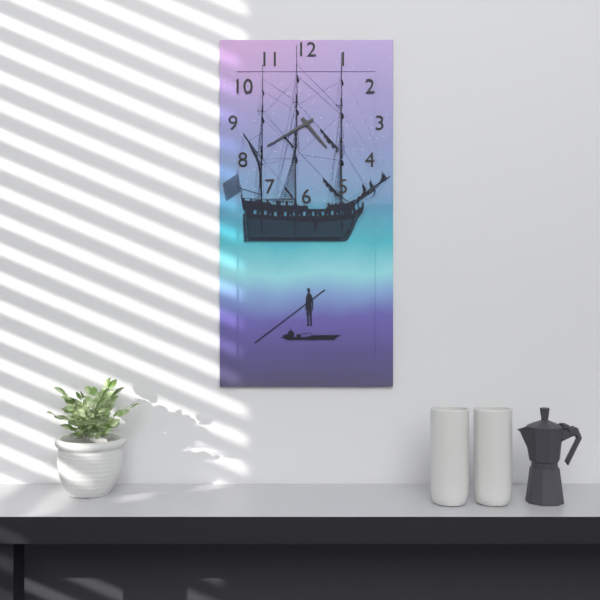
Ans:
4h40
